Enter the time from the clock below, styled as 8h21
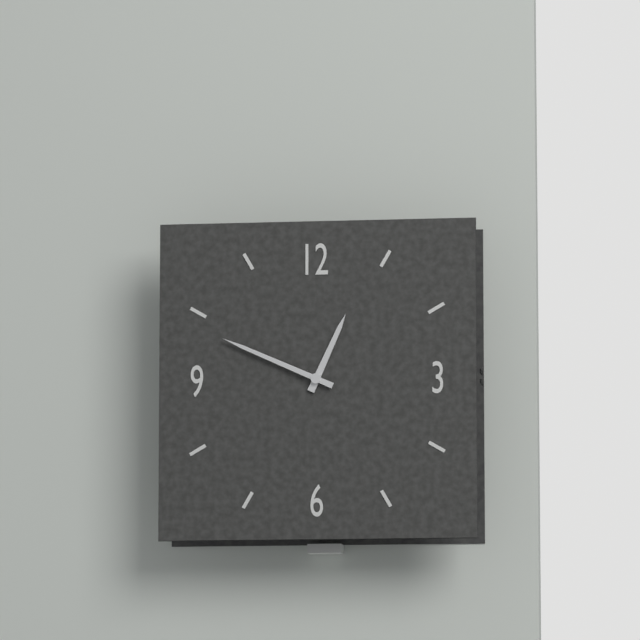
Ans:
12h49
